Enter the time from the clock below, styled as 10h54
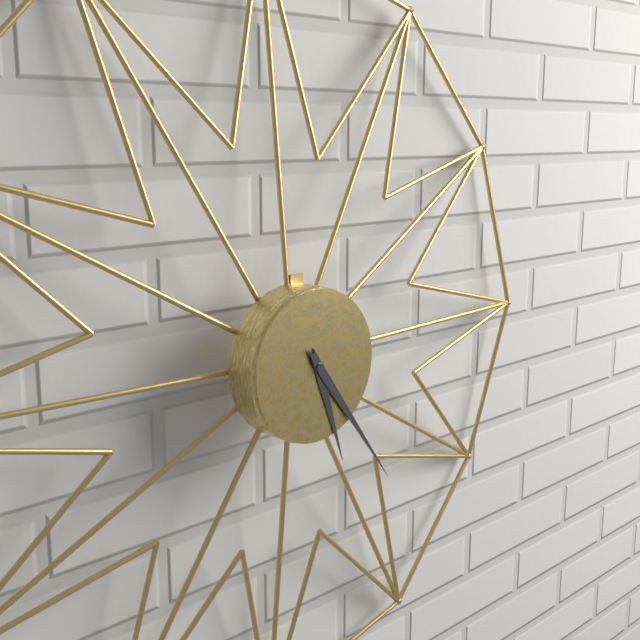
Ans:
5h24
